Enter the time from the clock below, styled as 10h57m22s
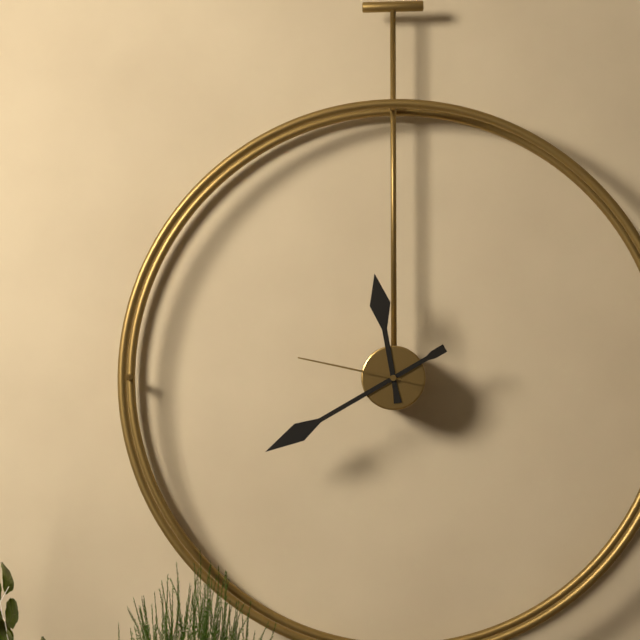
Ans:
11h40m47s
